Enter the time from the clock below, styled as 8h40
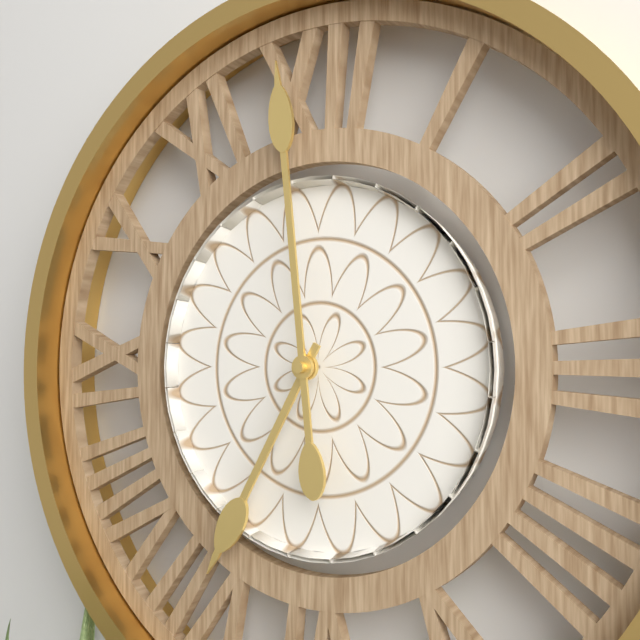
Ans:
6h59
